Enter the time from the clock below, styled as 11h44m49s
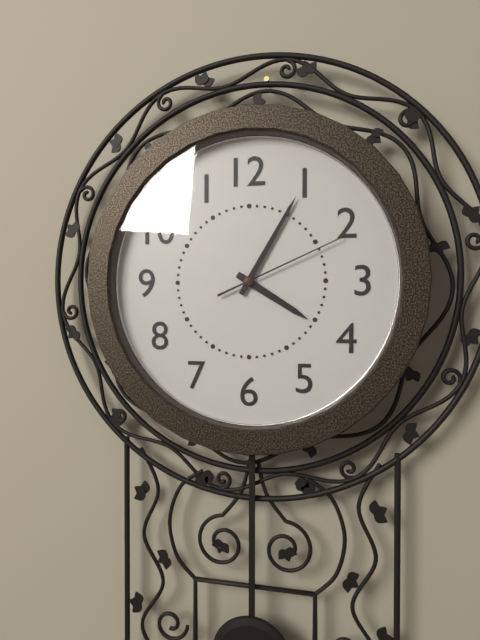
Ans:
4h05m11s
